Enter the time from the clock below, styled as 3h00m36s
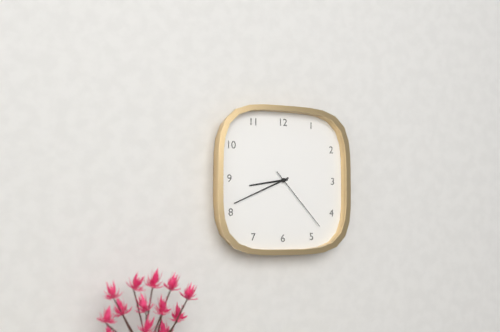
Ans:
8h41m23s
